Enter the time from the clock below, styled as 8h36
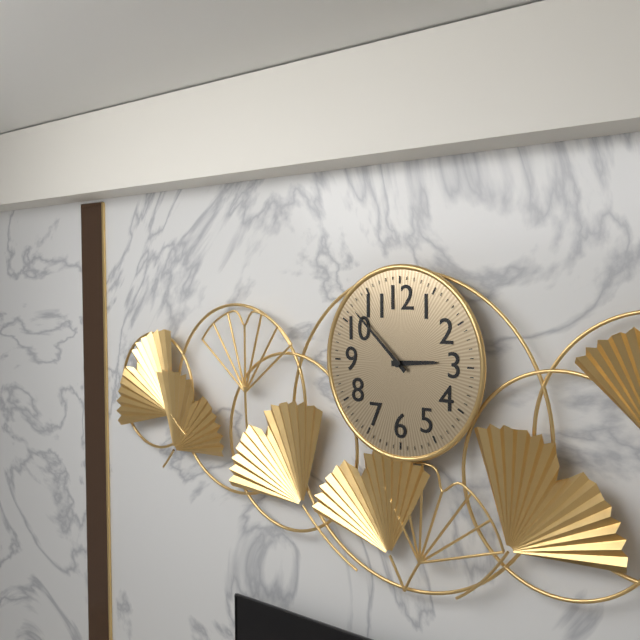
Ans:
2h52
